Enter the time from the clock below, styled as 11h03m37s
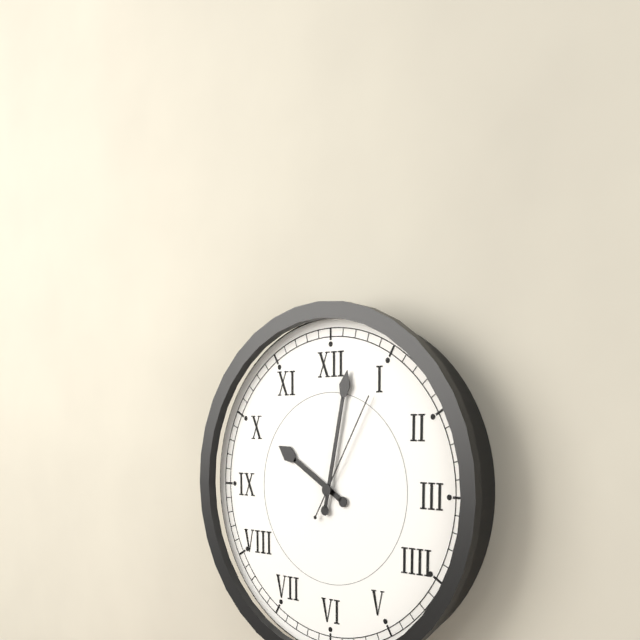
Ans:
10h02m05s
